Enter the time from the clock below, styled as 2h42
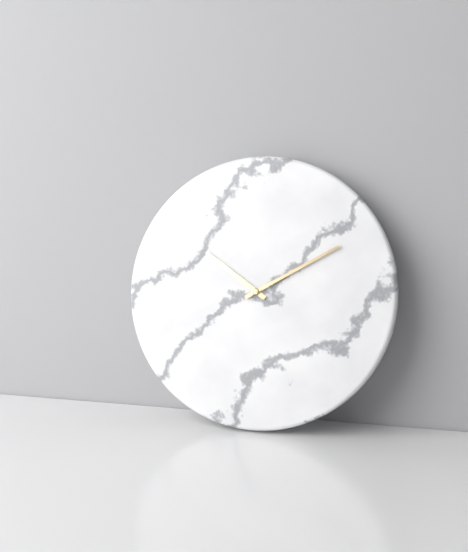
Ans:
10h10
